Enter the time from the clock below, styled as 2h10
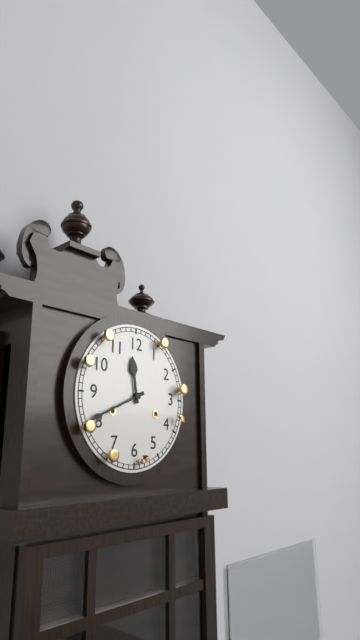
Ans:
11h41
